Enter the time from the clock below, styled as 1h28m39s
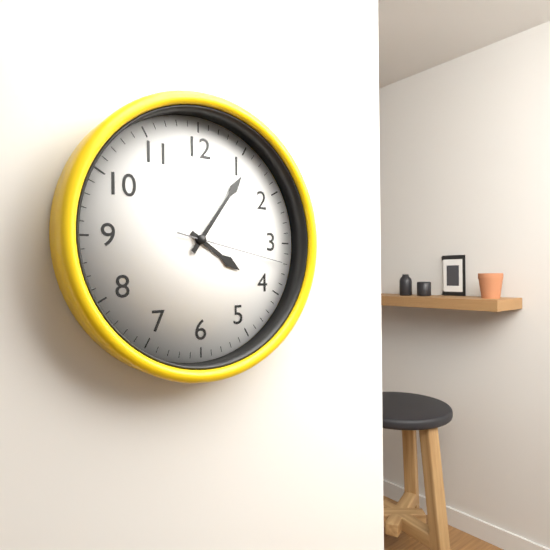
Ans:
4h06m17s
